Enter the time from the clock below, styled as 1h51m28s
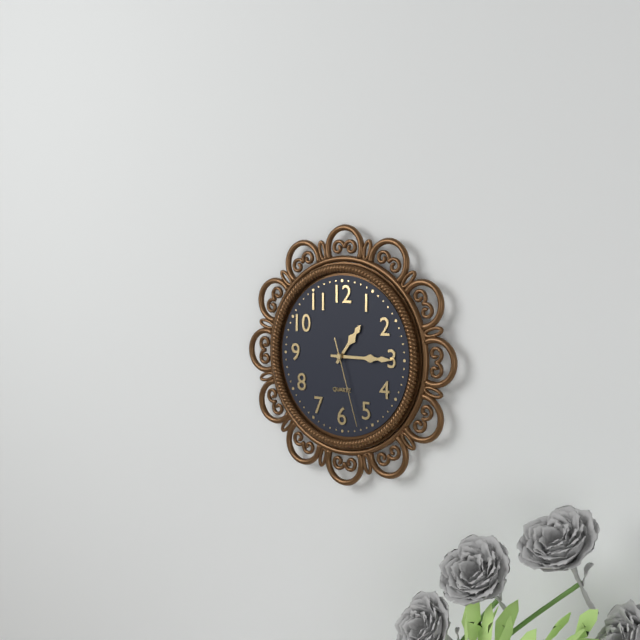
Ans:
1h15m27s
